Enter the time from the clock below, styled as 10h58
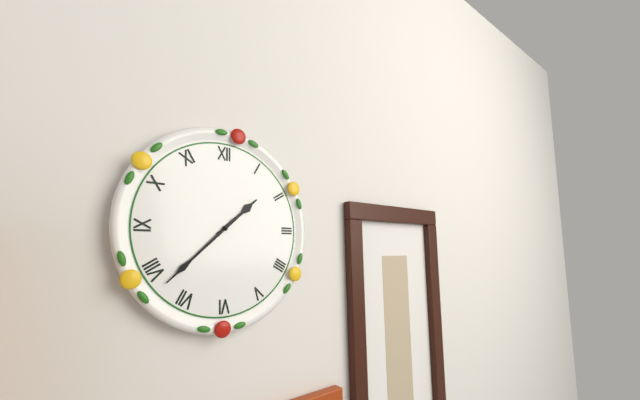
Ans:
1h38
